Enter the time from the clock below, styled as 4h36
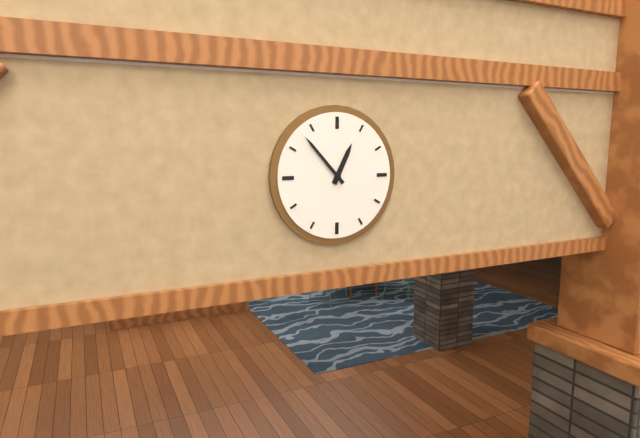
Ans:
12h53
